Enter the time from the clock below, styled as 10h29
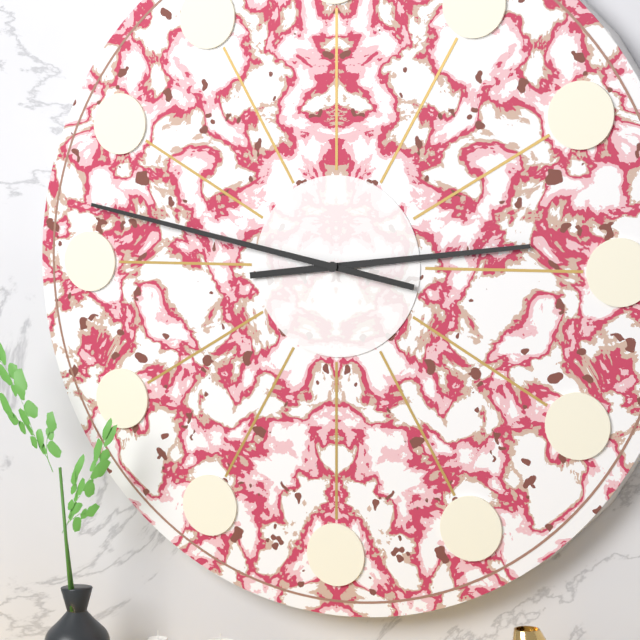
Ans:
2h47
